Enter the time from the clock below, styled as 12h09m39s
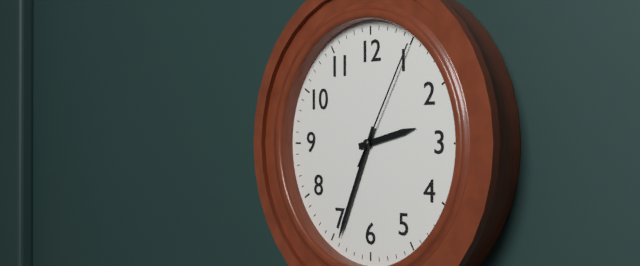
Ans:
2h34m05s
